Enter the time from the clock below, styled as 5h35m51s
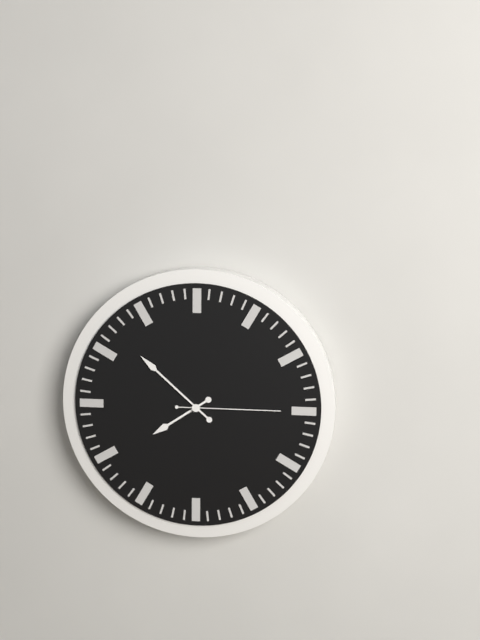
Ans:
7h52m15s
